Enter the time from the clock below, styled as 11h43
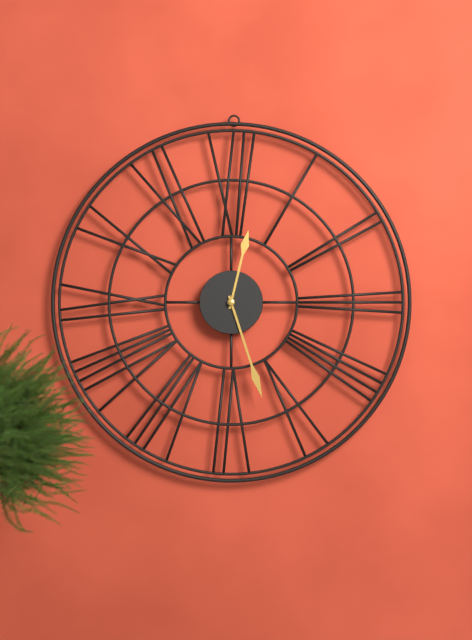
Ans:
12h27
